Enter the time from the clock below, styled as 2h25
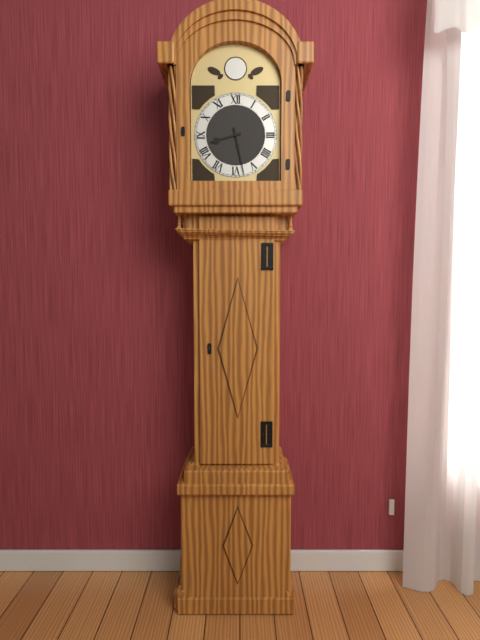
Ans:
8h28
